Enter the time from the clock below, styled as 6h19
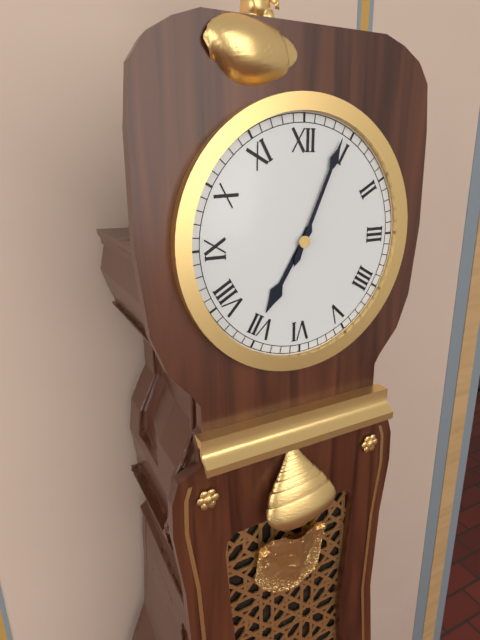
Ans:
7h04
